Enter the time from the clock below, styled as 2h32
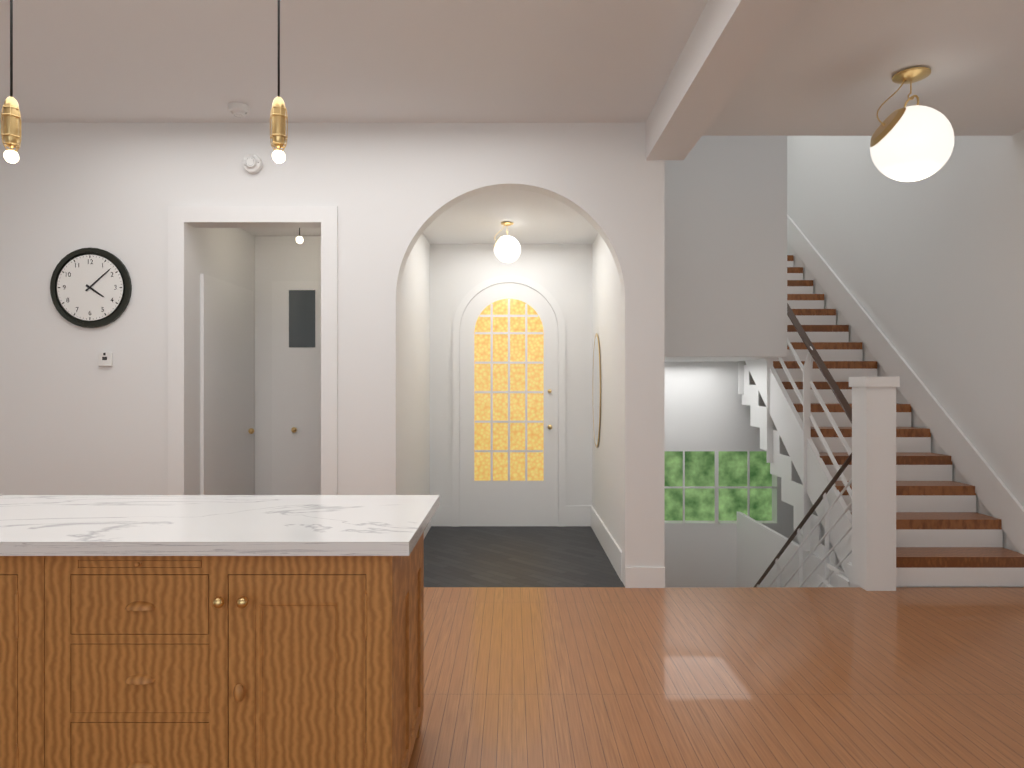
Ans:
4h08
